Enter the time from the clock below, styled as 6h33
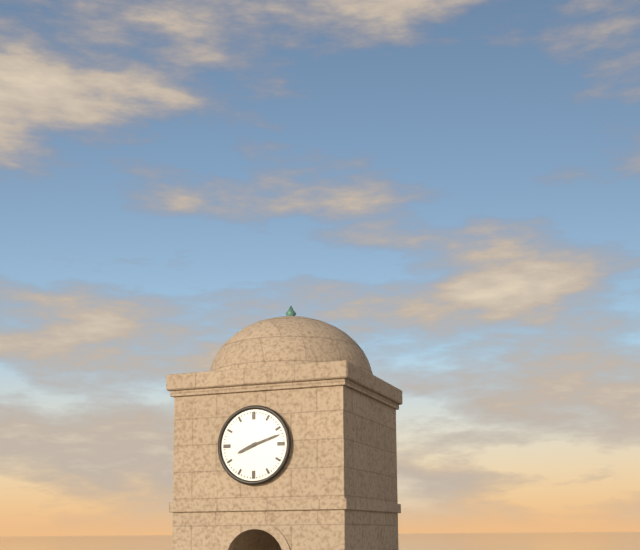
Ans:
8h12
